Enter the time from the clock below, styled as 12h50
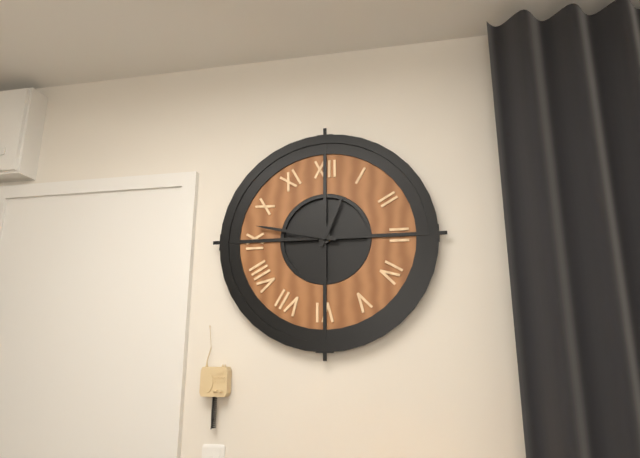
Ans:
12h47
